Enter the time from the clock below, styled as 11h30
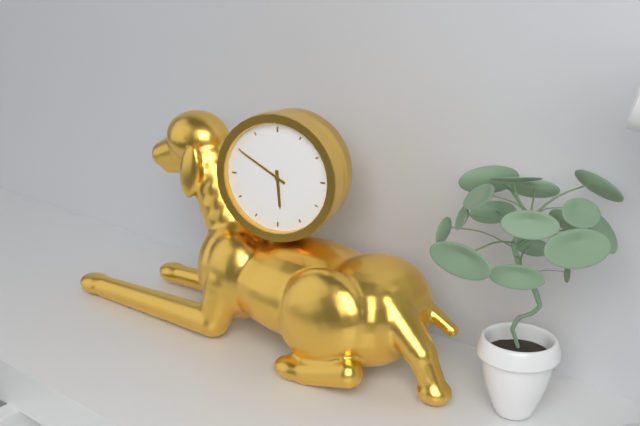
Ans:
5h50
